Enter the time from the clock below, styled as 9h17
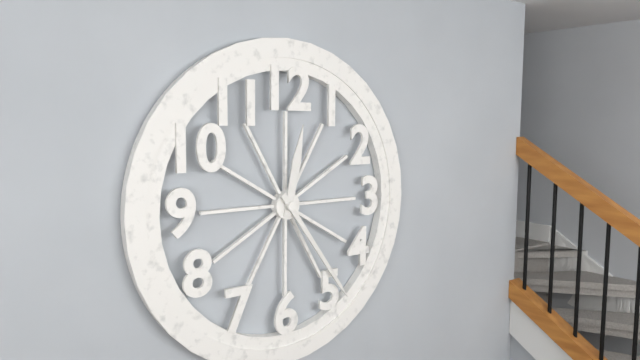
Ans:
12h24
